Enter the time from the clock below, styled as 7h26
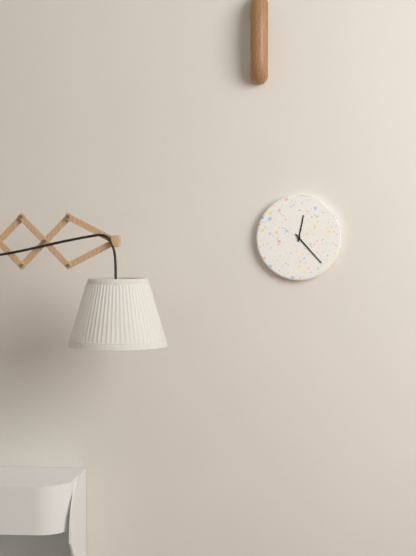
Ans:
12h23
